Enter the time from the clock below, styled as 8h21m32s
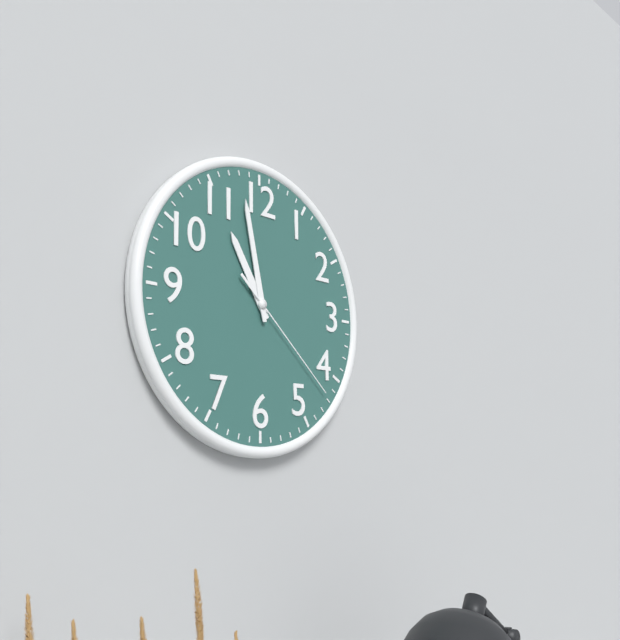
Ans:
10h58m22s
